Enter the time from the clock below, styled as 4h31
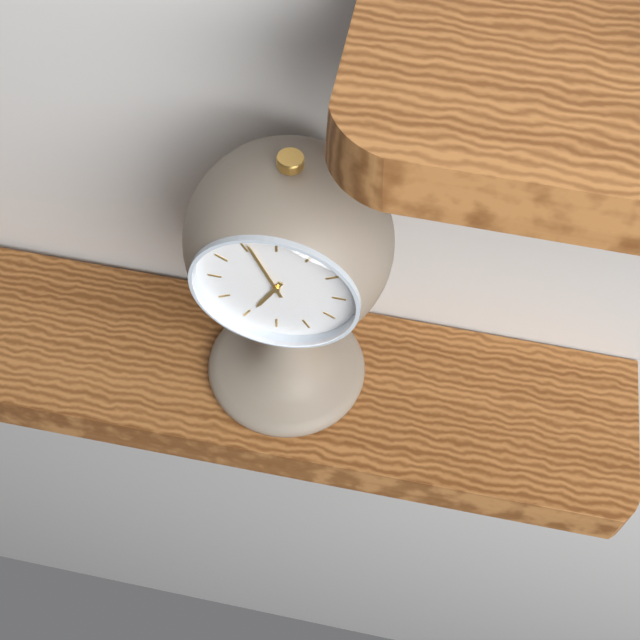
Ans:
6h56
